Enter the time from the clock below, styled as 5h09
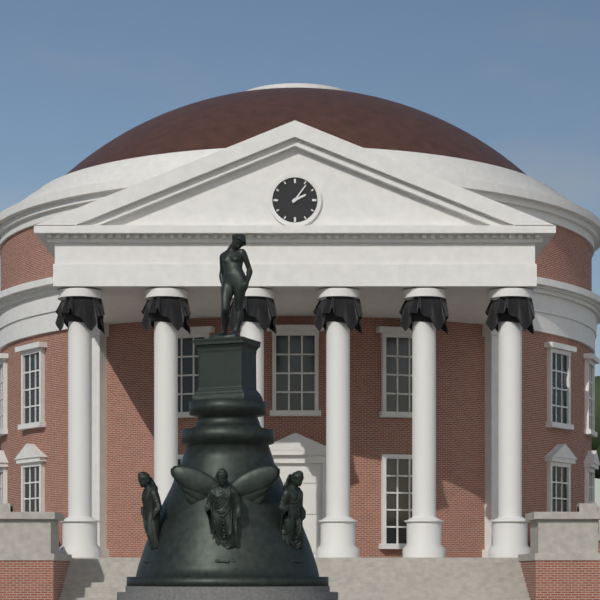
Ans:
2h06
